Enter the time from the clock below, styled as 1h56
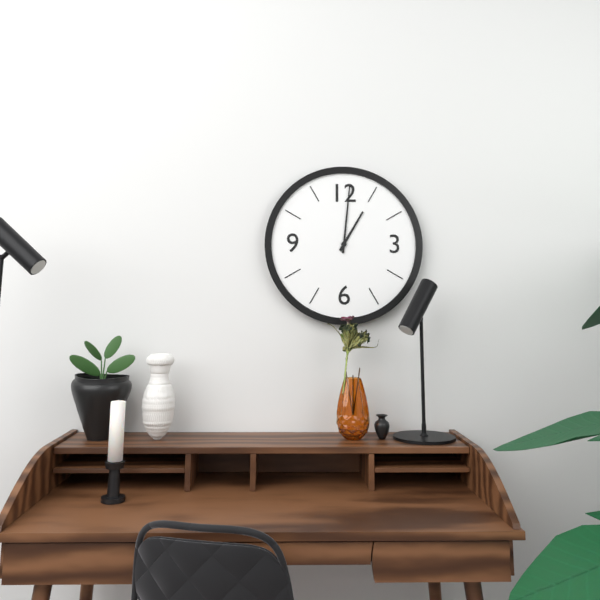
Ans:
1h01
